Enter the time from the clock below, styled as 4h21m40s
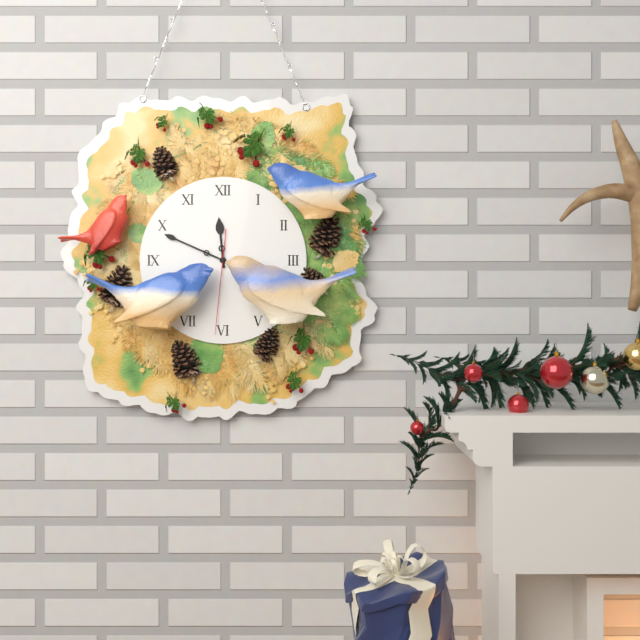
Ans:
11h49m31s
